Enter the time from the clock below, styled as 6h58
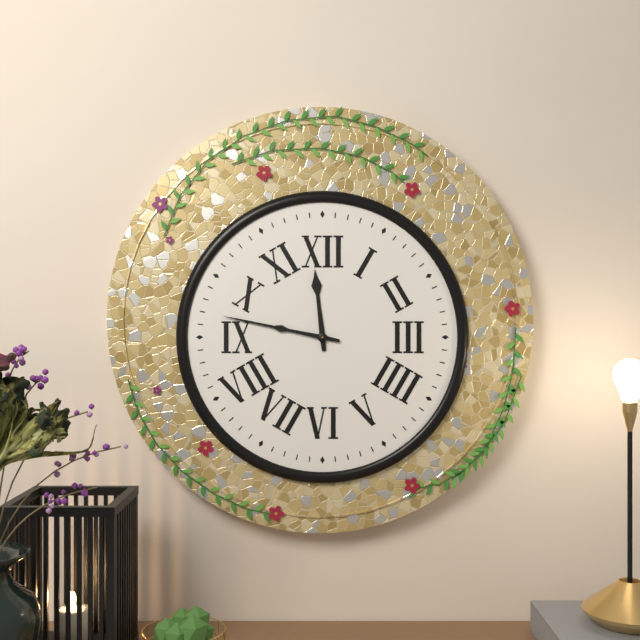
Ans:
11h47
